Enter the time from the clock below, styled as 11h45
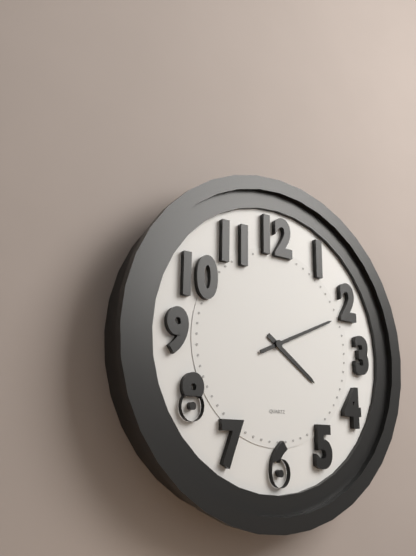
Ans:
4h11
